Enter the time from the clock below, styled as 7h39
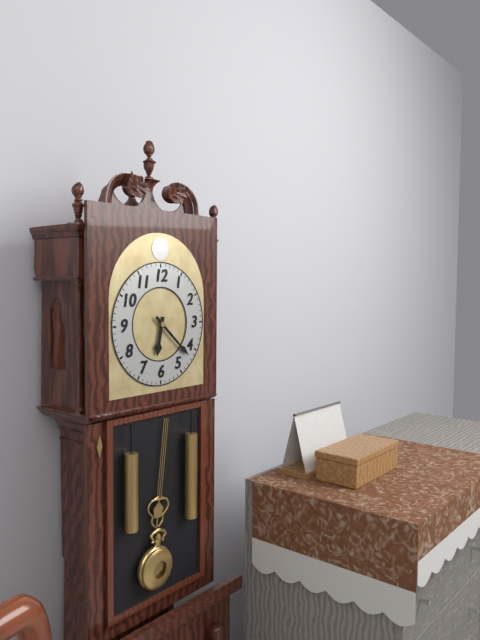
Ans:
6h22
